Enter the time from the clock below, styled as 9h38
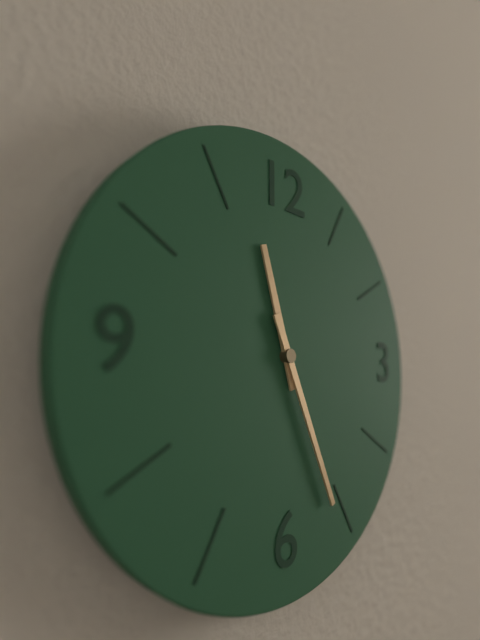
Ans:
11h26
